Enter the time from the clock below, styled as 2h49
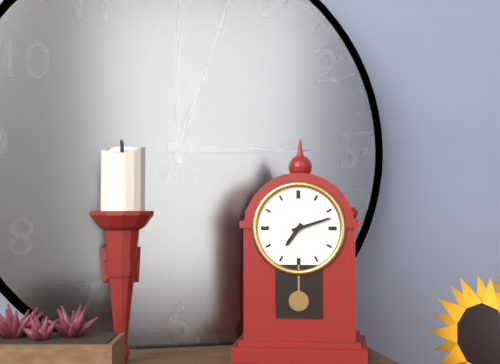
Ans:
7h12
